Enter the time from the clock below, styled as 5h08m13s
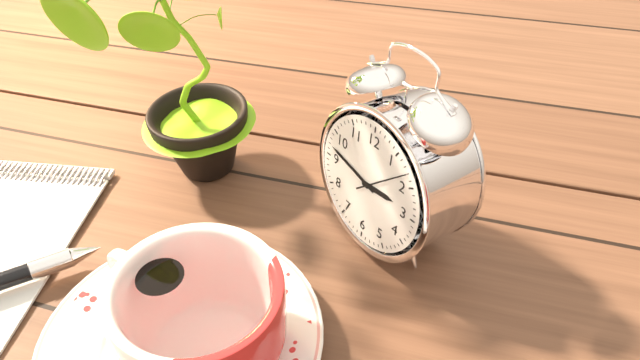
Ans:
2h47m08s
